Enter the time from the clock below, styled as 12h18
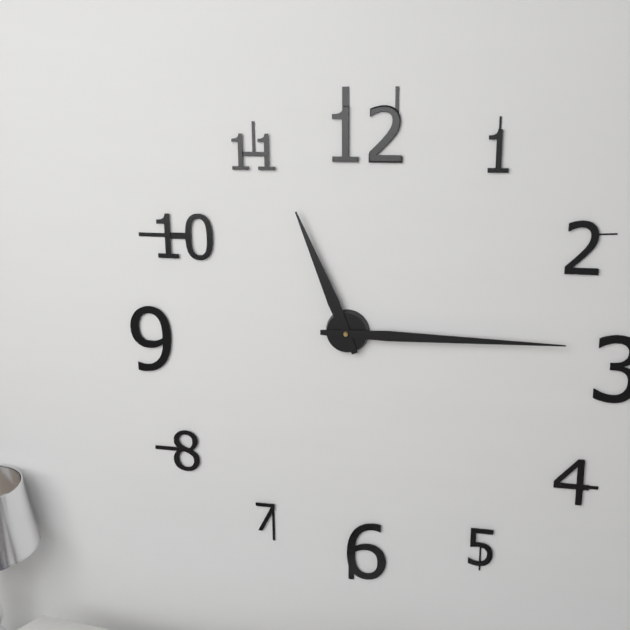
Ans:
11h15
